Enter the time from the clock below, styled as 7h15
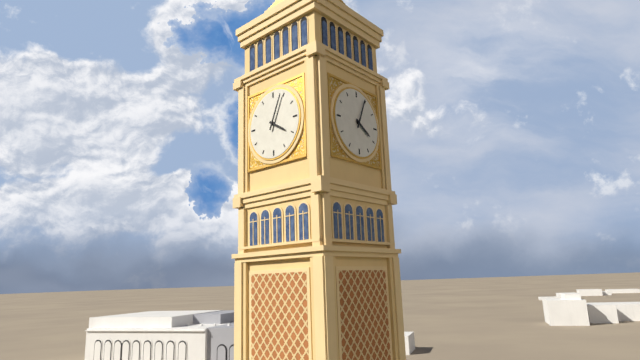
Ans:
4h04
